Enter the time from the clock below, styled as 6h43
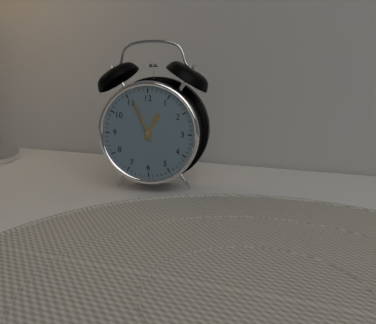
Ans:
12h56
